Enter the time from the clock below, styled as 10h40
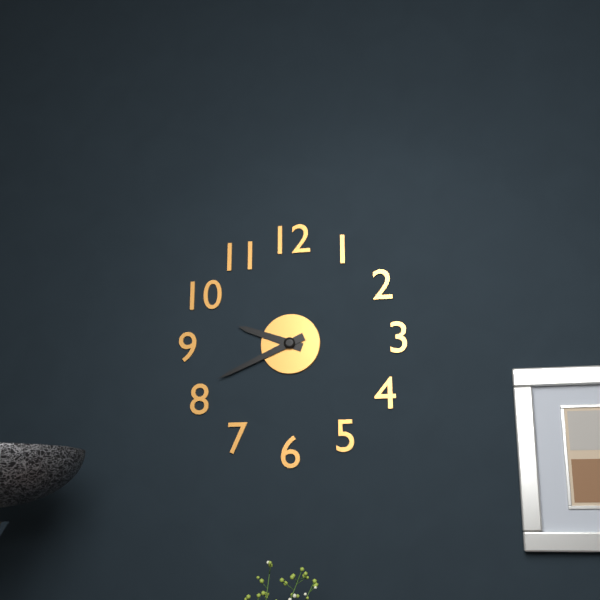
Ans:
9h41
